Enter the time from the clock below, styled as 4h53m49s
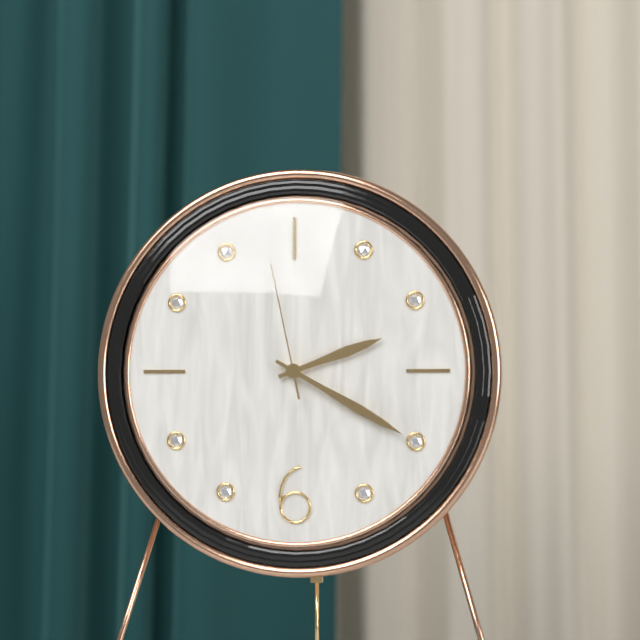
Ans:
2h20m58s
